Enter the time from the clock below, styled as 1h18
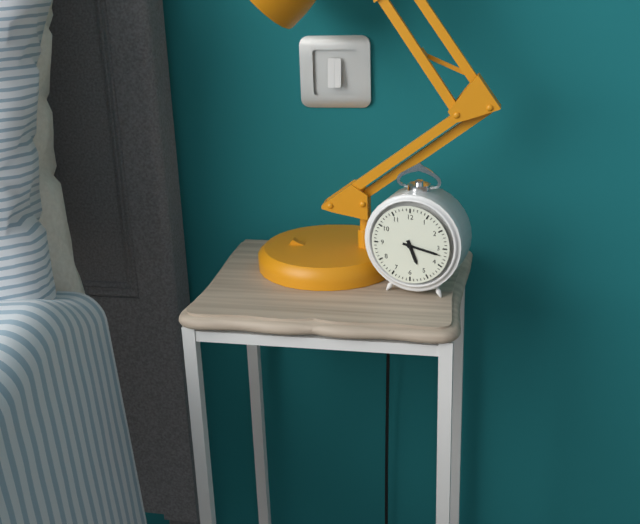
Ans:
5h17
